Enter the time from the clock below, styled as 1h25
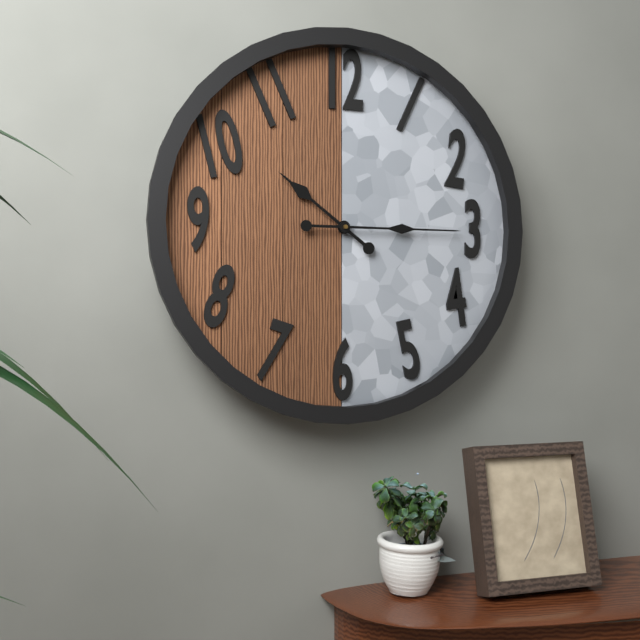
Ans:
10h15
